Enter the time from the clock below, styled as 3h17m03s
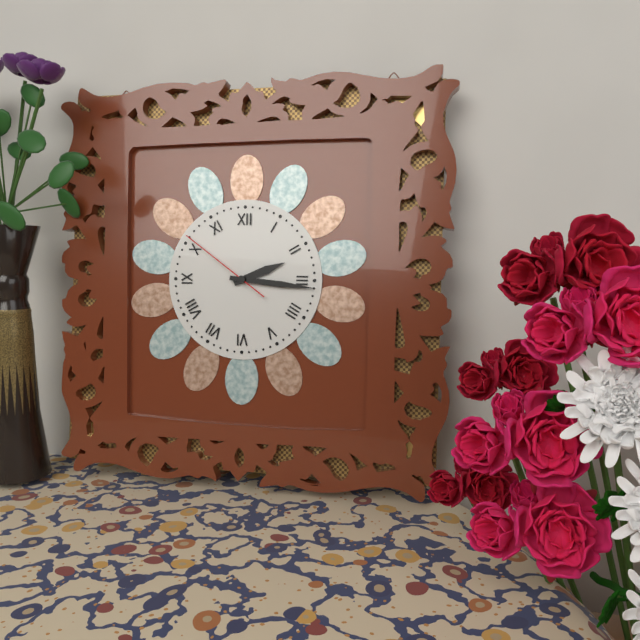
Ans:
2h16m51s
